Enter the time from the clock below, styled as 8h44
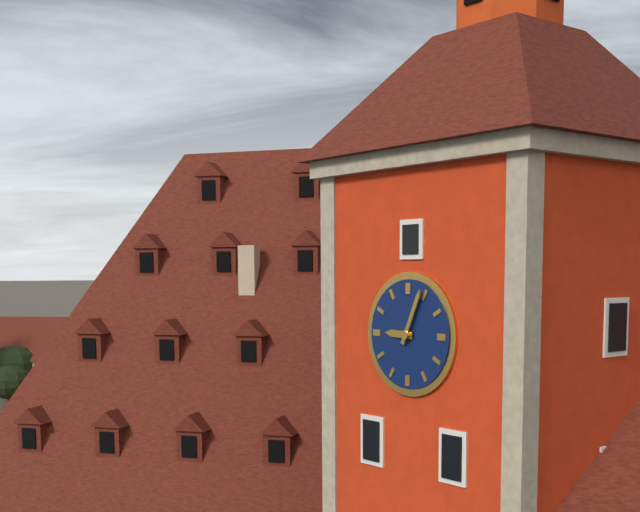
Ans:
9h04
